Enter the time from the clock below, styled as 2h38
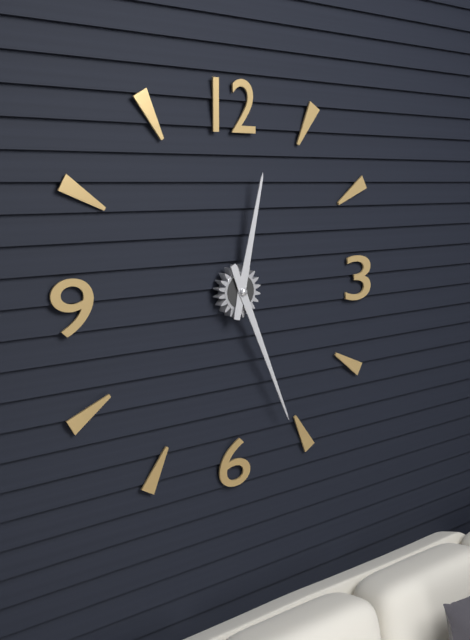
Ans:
12h26
